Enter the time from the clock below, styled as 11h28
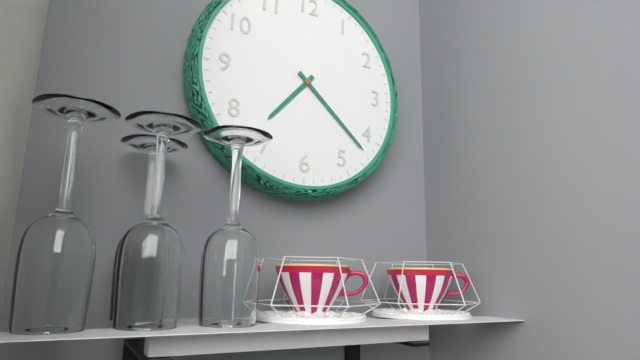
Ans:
7h22
